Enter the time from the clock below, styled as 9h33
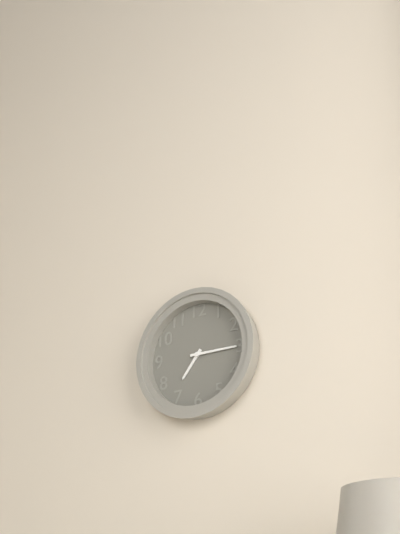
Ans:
7h15
